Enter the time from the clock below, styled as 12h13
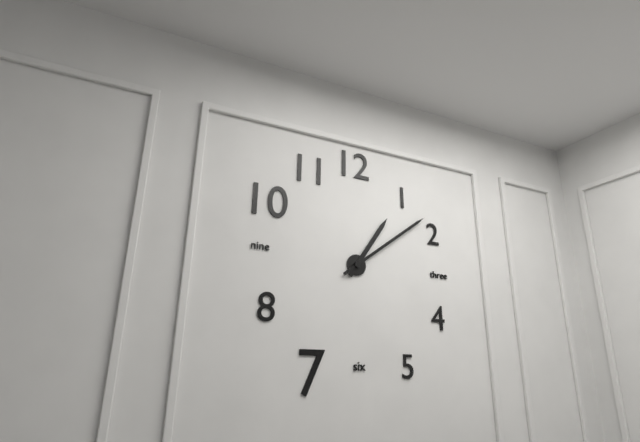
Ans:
1h09
